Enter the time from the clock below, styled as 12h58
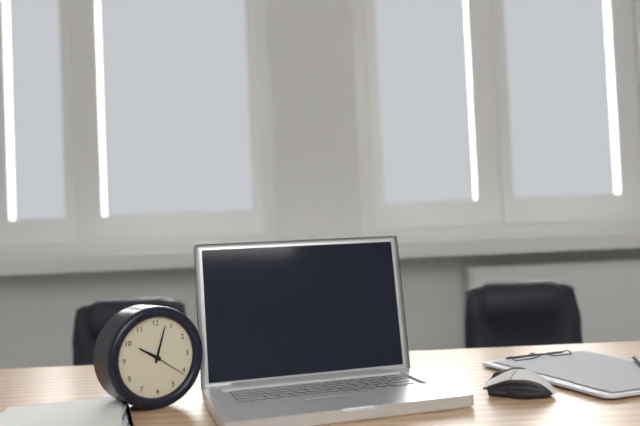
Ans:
10h03
